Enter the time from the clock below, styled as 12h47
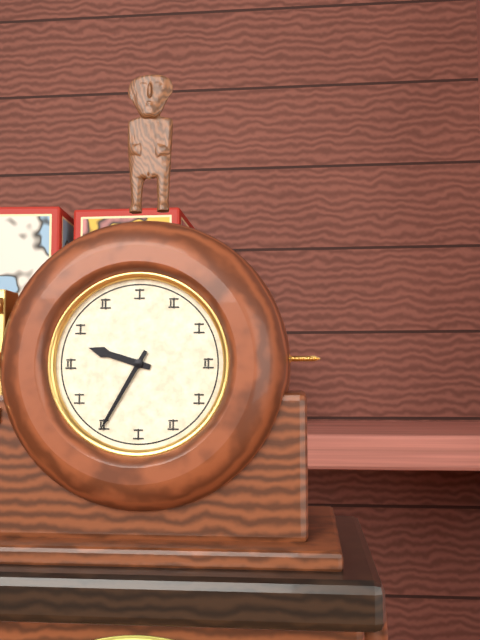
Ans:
9h35
